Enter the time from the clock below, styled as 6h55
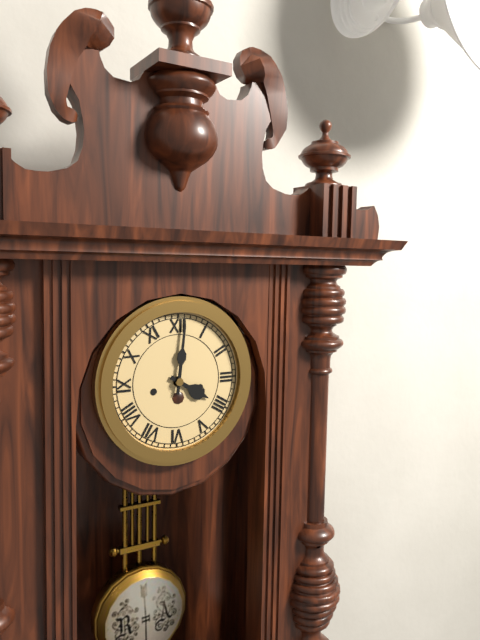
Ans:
4h01
